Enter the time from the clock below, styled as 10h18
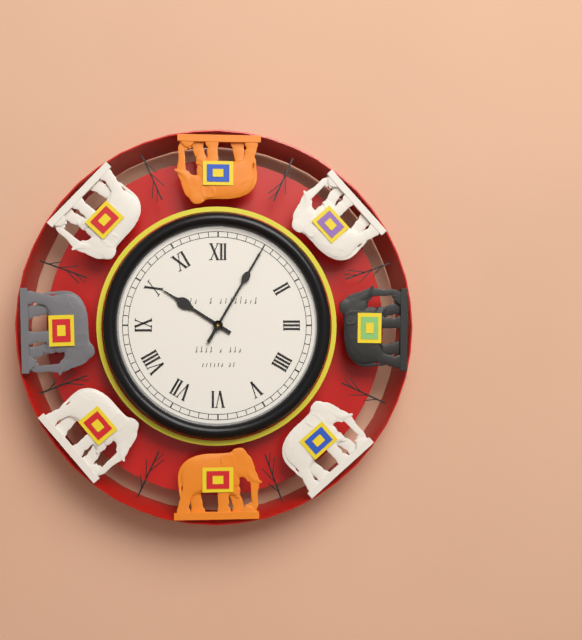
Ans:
10h05
